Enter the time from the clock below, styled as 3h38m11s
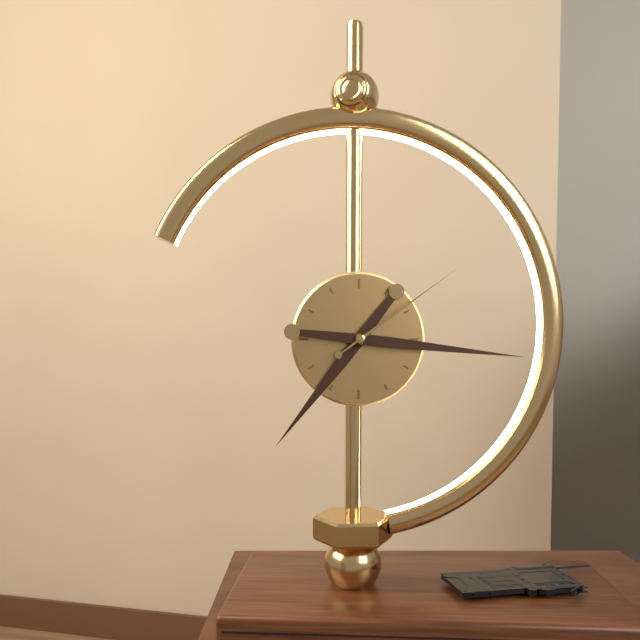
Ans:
7h16m09s
